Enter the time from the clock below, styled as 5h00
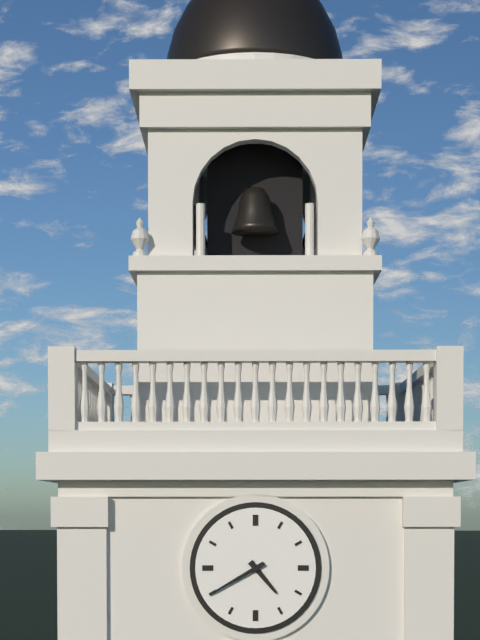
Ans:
4h40
